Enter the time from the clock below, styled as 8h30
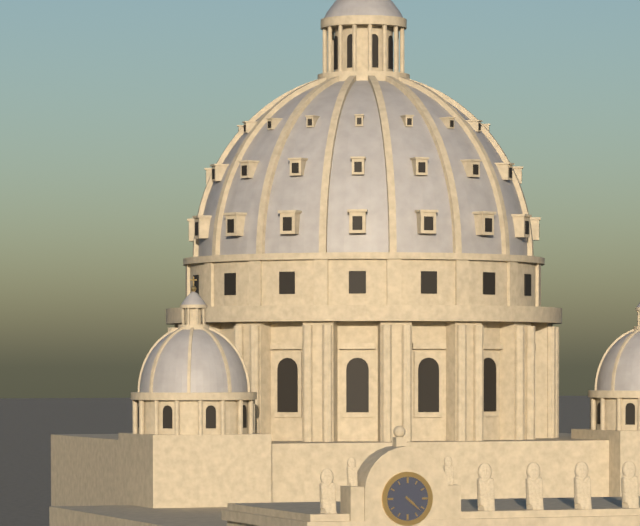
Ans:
4h22
